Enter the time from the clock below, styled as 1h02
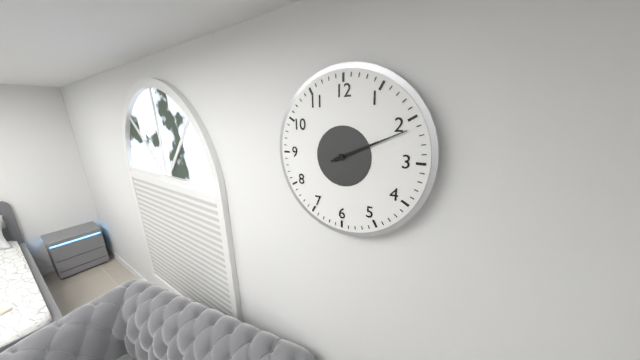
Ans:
2h11
